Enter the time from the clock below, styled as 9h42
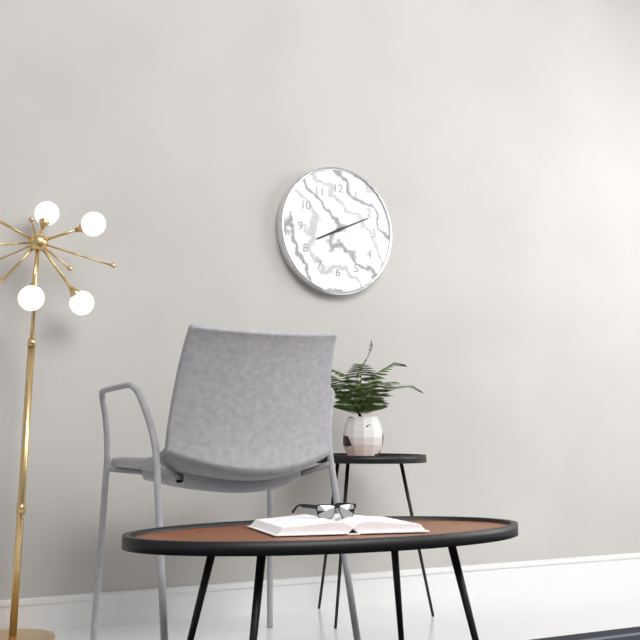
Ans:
8h11
